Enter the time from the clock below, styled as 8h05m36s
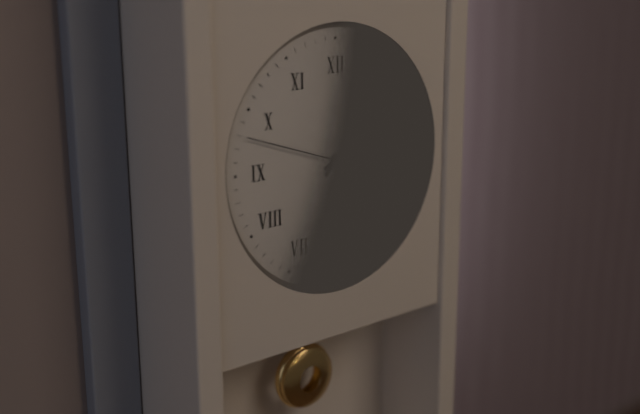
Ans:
2h08m48s
